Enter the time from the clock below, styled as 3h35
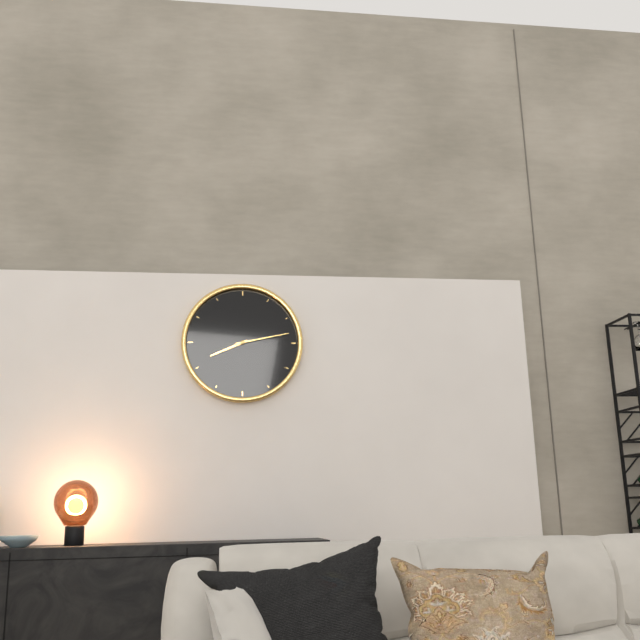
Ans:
8h13
